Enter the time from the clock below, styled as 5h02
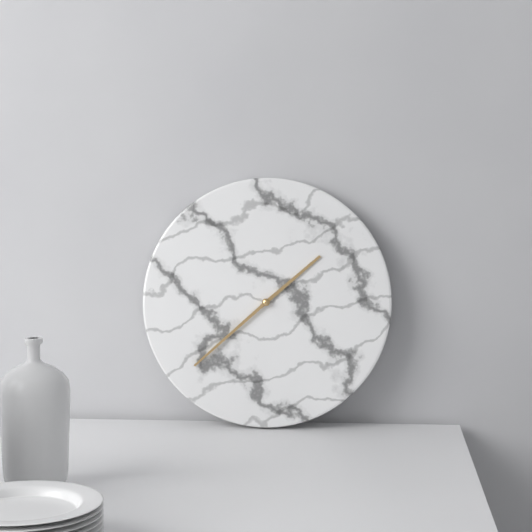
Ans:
1h38
